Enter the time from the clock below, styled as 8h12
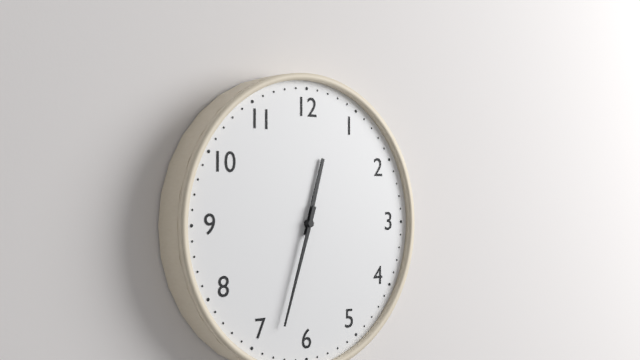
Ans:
12h33
